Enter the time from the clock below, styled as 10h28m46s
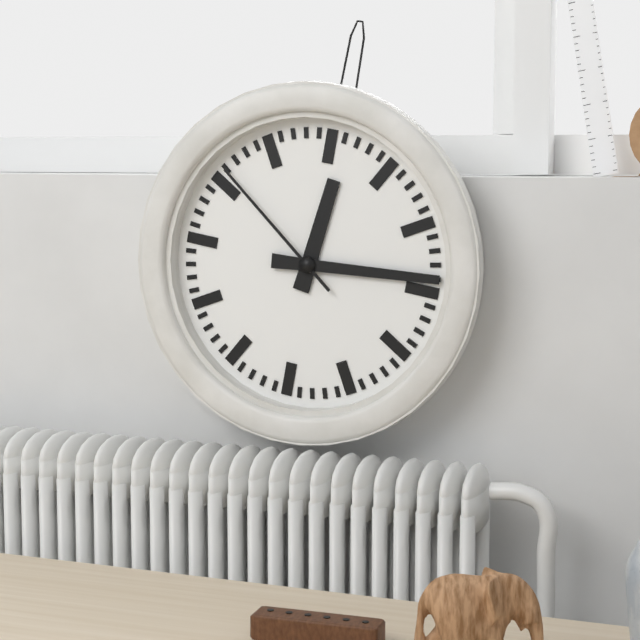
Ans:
12h14m51s
